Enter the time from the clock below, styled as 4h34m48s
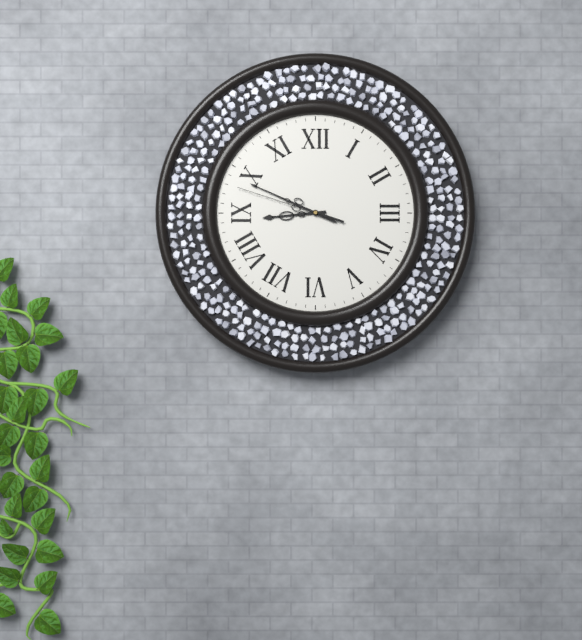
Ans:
8h49m48s
